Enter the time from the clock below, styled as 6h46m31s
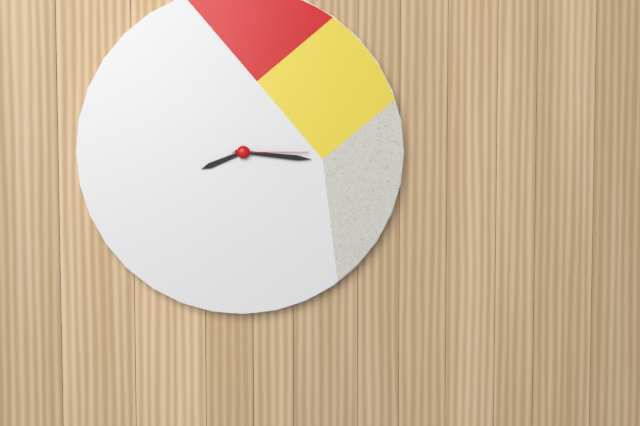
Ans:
8h16m15s
